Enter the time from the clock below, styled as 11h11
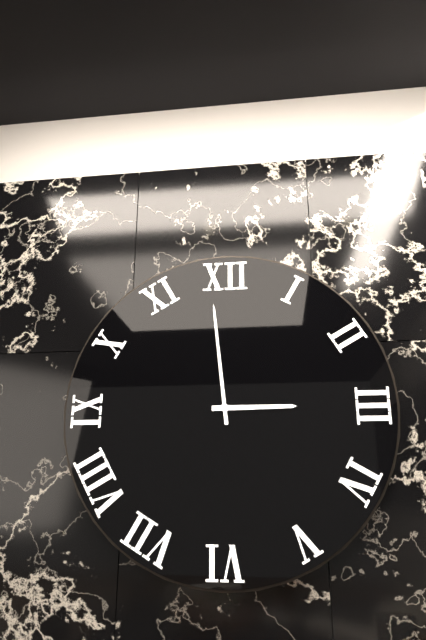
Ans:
2h59
